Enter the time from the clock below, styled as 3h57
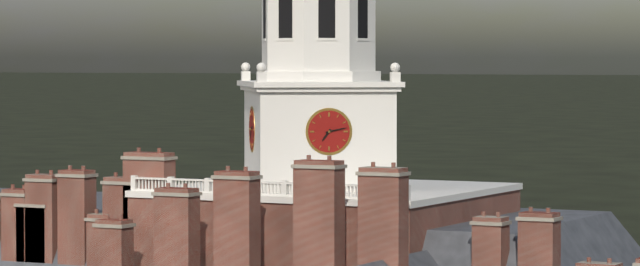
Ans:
7h13
